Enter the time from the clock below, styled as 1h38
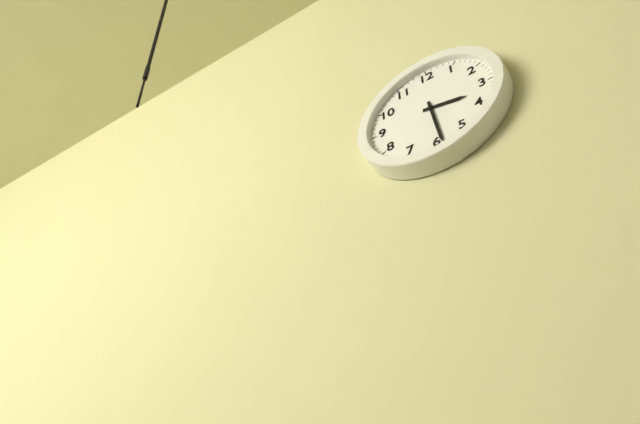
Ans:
3h29
